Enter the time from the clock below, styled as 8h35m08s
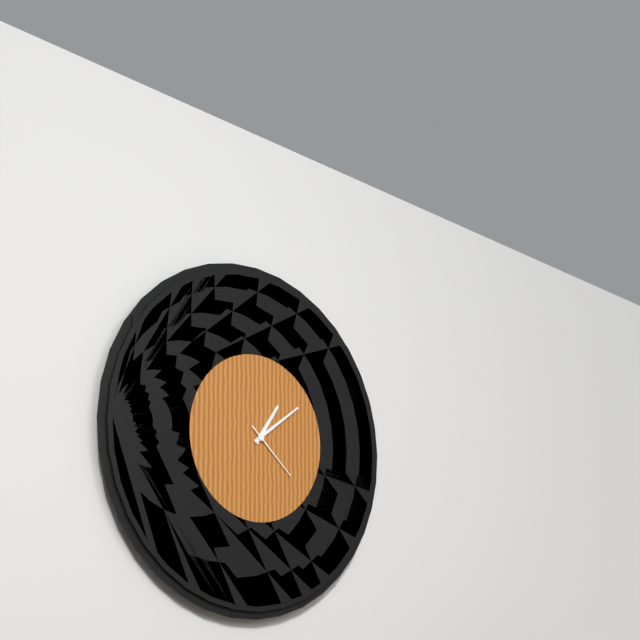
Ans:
1h09m22s
